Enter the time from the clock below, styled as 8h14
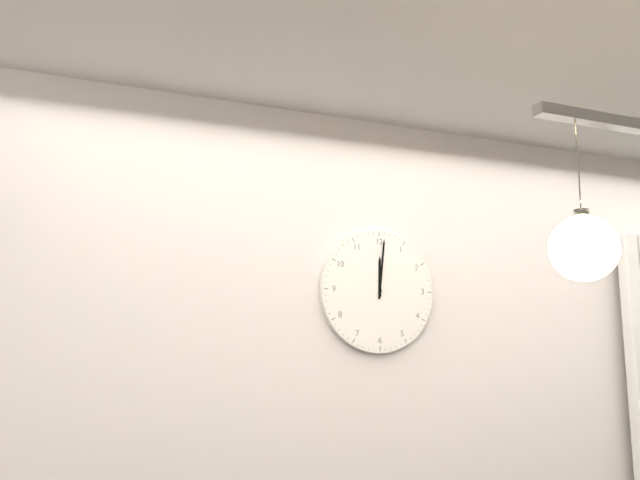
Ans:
12h01
